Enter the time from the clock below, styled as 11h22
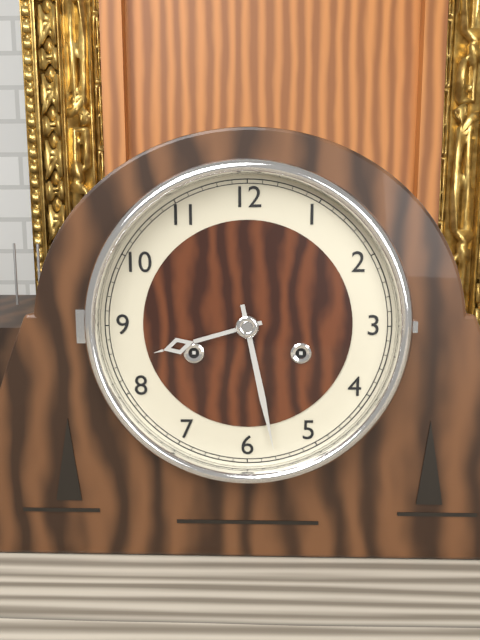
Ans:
8h28
